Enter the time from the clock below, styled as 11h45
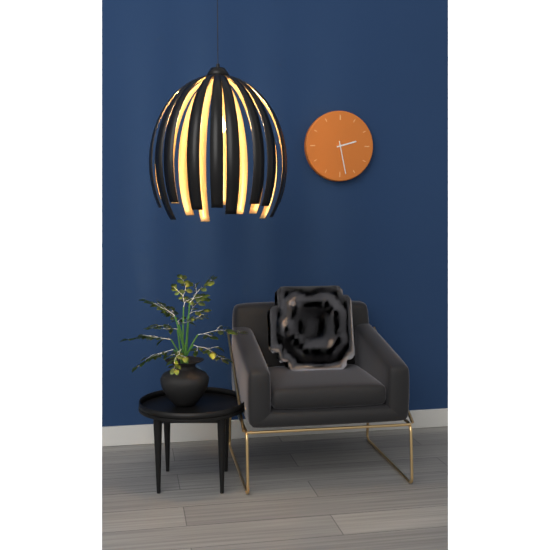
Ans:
2h28
